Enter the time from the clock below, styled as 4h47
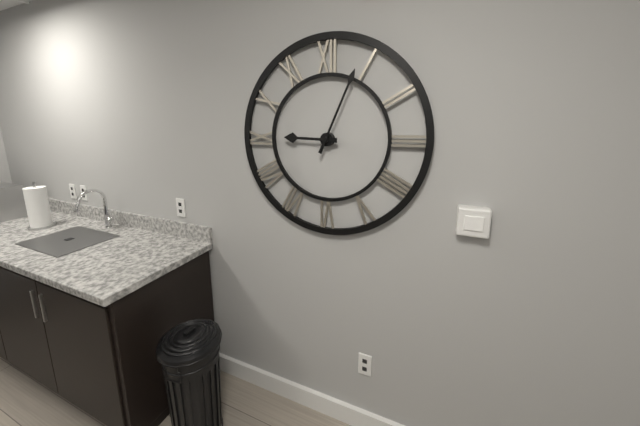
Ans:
9h04
